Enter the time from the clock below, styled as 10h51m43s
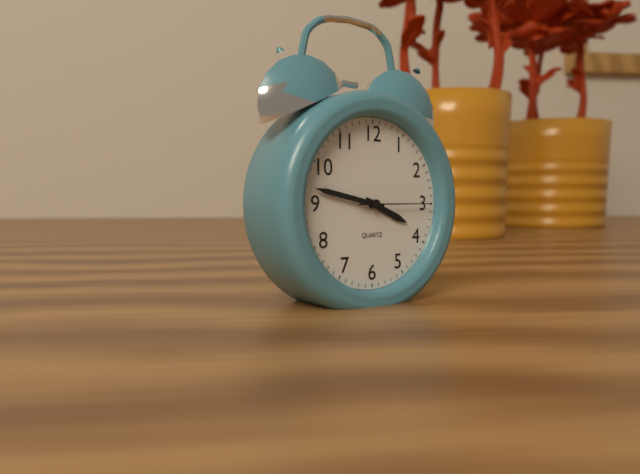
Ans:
3h47m15s
